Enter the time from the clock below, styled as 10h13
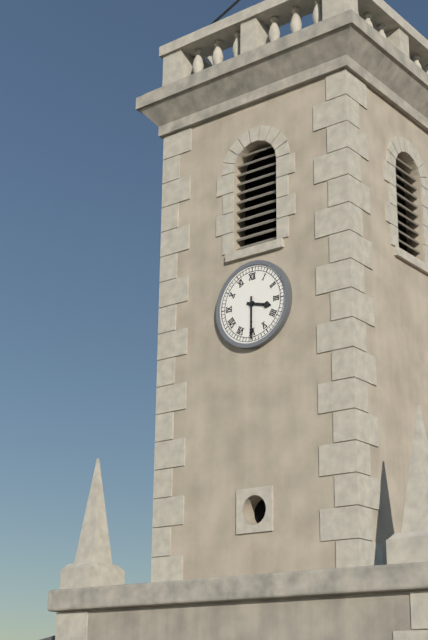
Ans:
3h30
